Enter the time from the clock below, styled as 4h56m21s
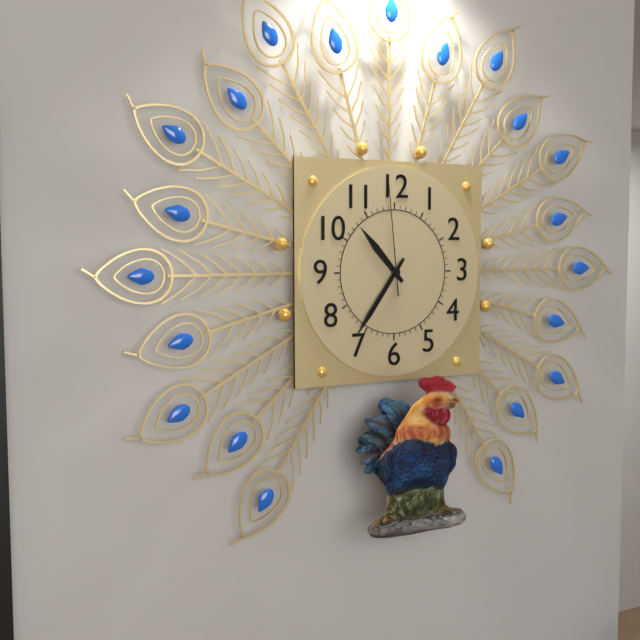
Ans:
10h36m59s
